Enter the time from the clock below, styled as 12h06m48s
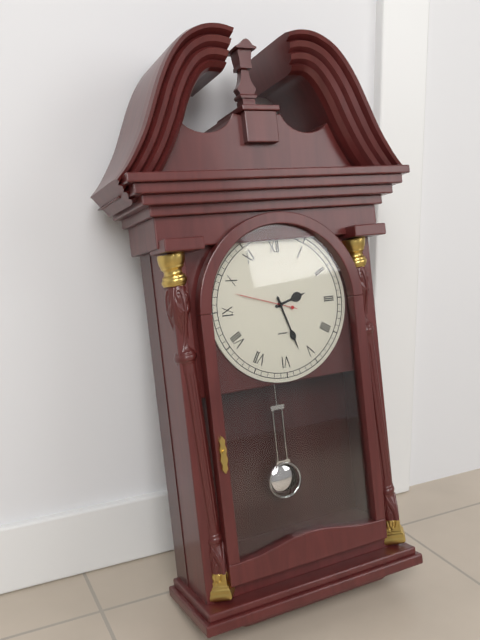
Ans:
2h27m48s
